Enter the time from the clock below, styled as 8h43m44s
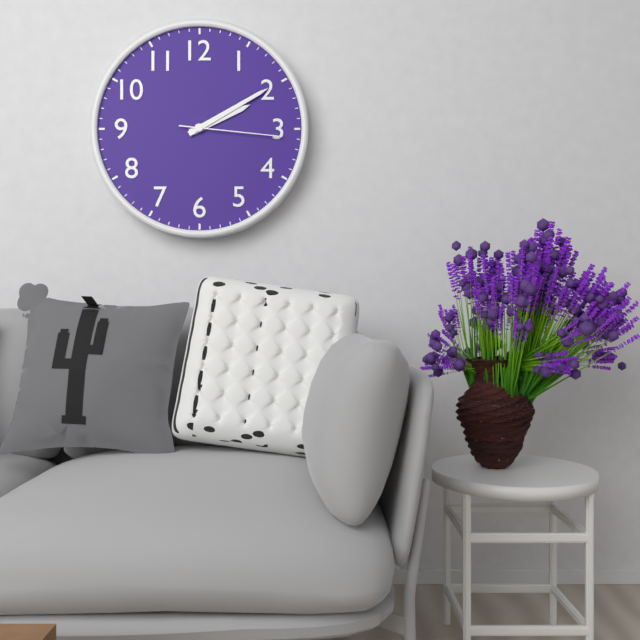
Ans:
2h10m16s
